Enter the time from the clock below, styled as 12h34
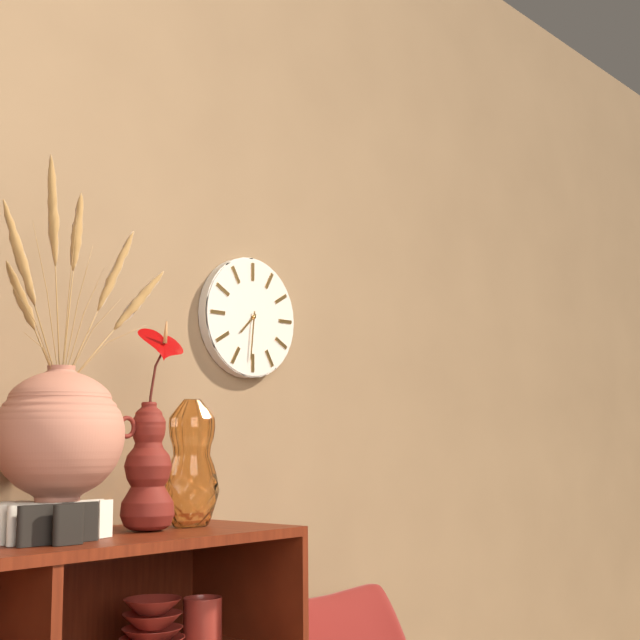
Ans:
7h31
